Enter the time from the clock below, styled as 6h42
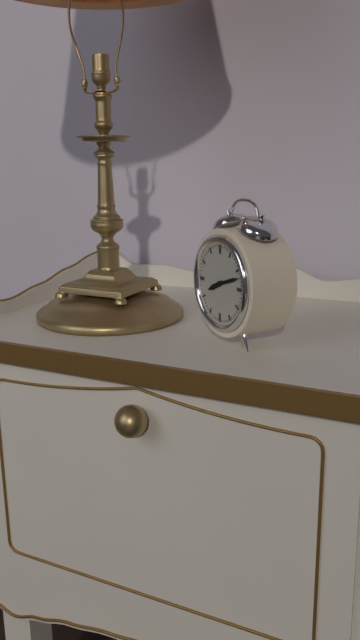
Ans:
8h12
